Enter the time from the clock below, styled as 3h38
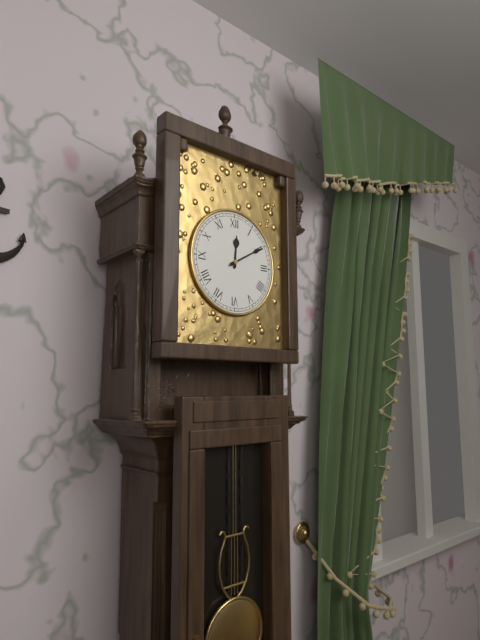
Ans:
12h10
